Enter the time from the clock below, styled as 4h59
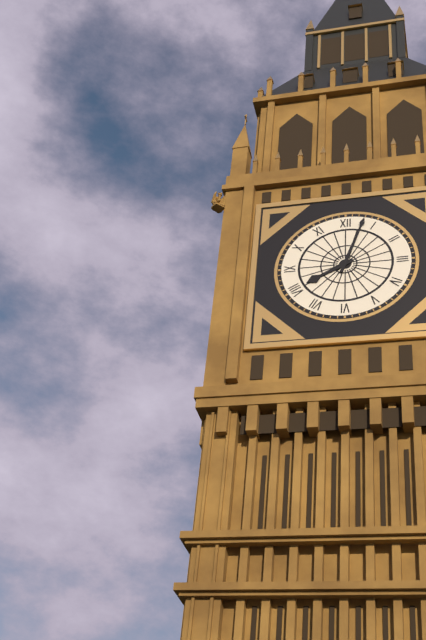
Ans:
8h03
